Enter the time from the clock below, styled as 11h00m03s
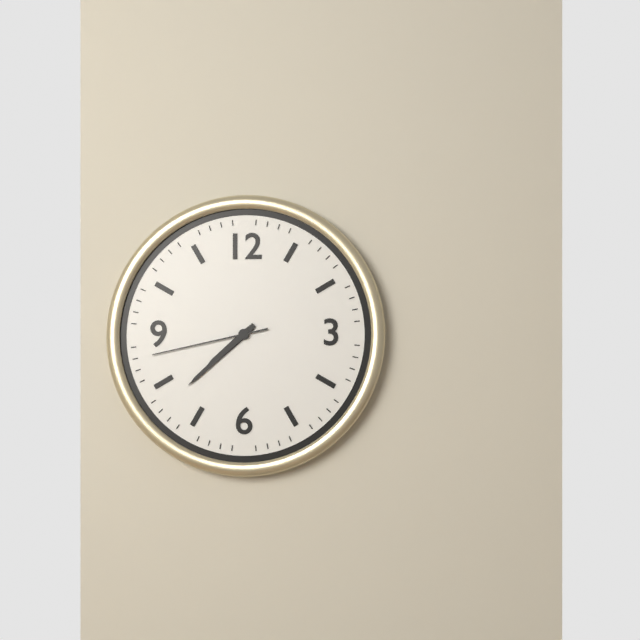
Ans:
7h38m43s
